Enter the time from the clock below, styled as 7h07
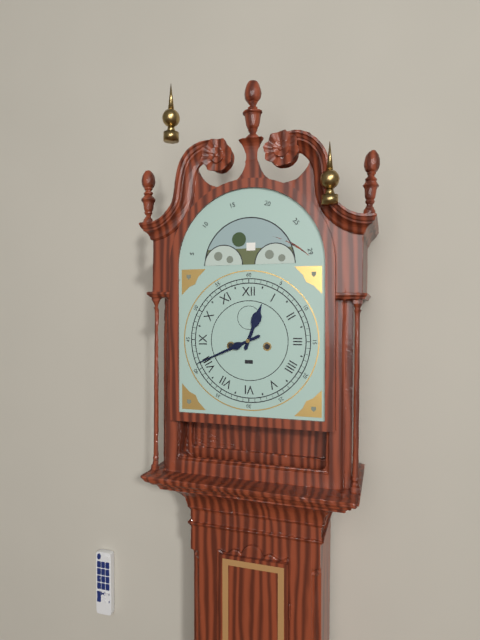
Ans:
12h41
